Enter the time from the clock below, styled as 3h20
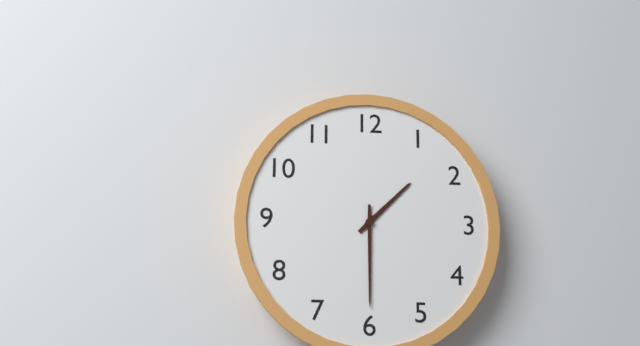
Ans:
1h30
